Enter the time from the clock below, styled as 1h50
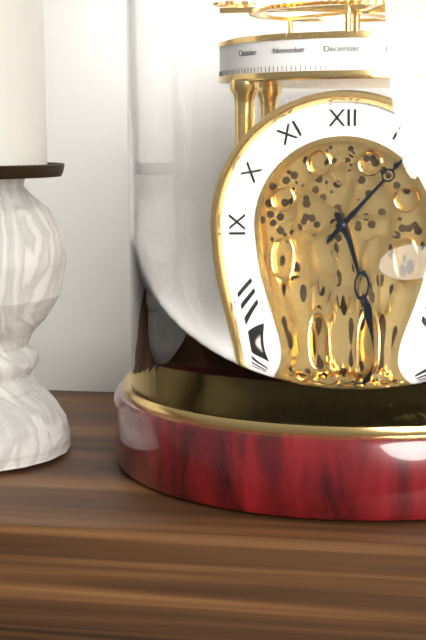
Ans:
5h07
